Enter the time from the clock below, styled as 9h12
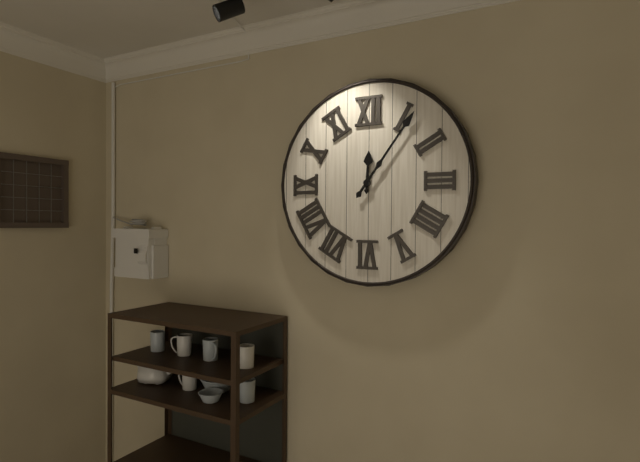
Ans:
12h06
